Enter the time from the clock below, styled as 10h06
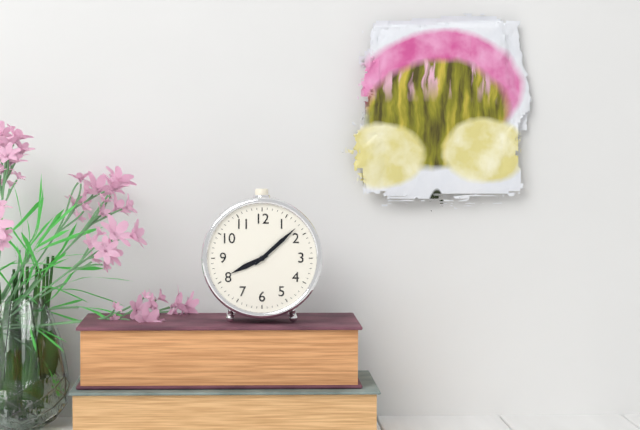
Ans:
8h08
